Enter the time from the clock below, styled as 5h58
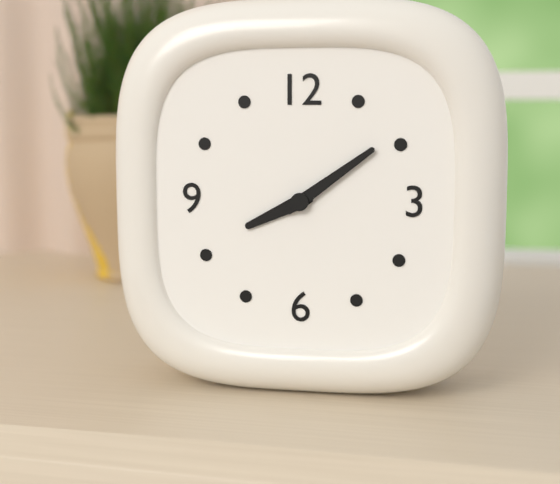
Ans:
8h09
